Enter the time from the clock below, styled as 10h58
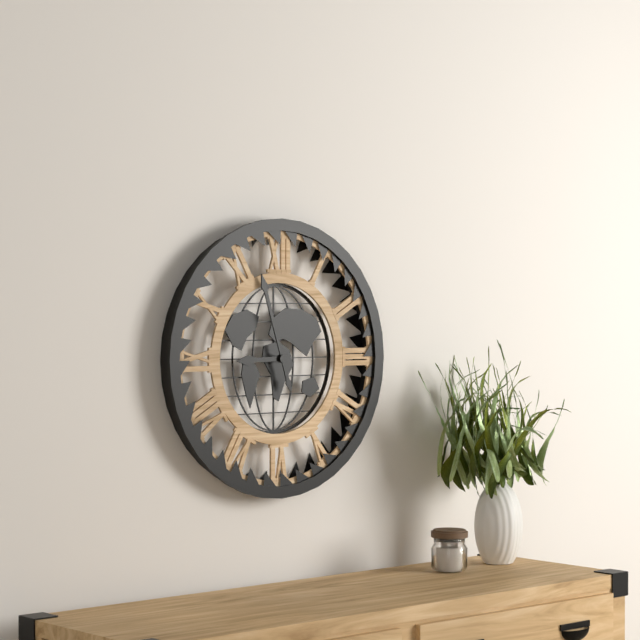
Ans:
8h57
